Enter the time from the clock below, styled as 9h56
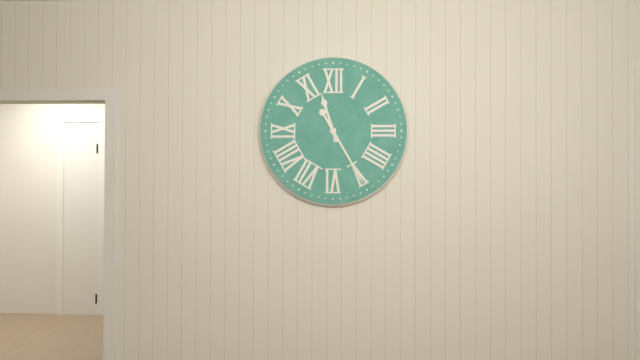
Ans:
11h25
